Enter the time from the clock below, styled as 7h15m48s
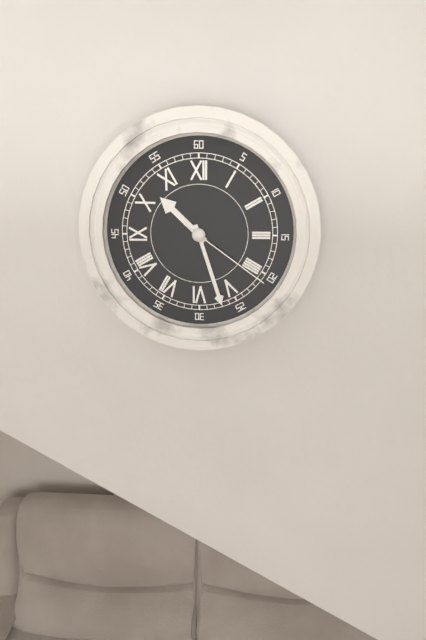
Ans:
10h27m21s
